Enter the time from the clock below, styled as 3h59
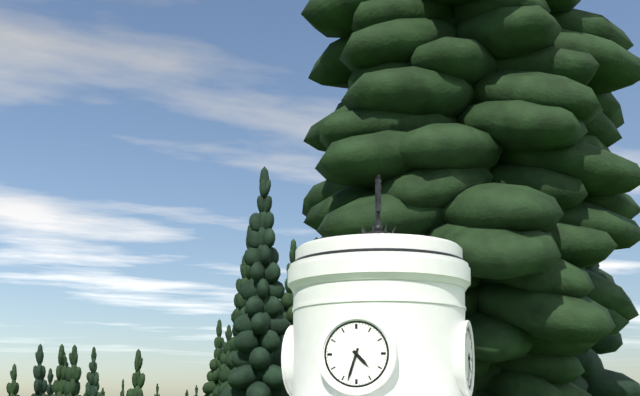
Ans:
4h33
